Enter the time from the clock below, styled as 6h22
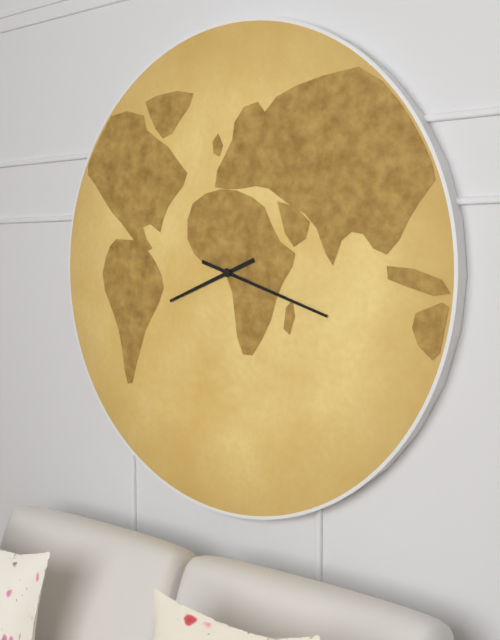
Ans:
8h18
